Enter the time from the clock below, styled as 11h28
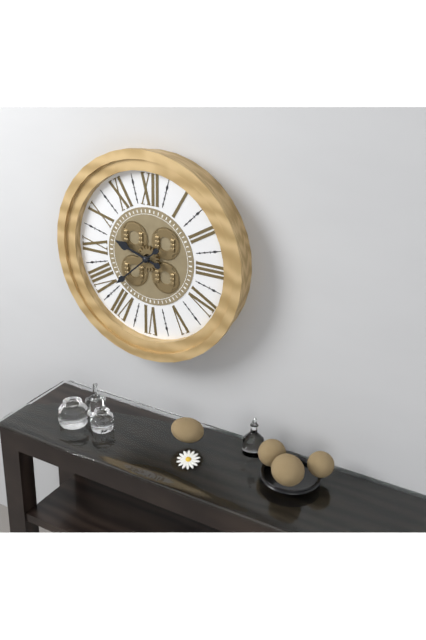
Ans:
9h38
